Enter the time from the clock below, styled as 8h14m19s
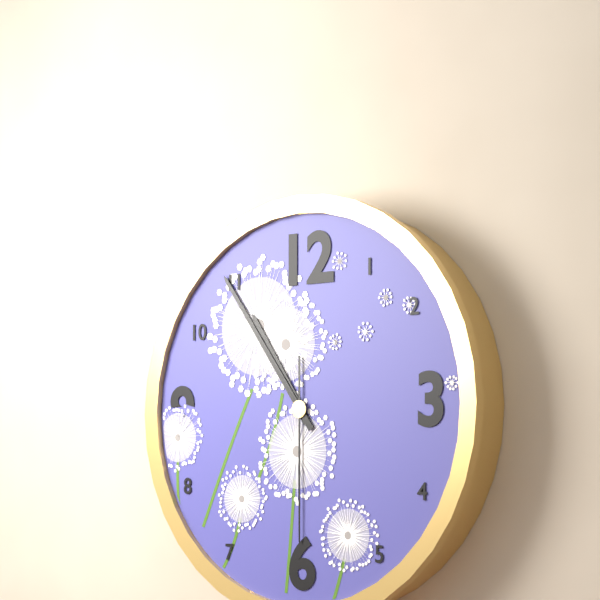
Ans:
10h54m30s
